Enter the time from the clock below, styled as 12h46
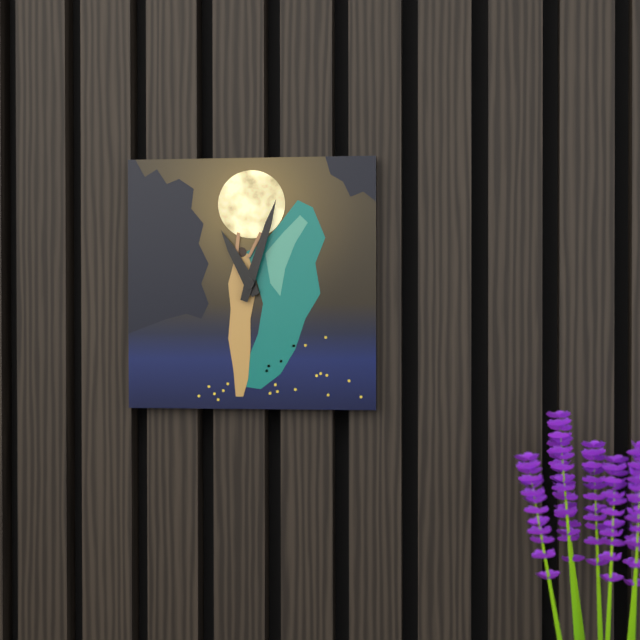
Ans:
11h03
